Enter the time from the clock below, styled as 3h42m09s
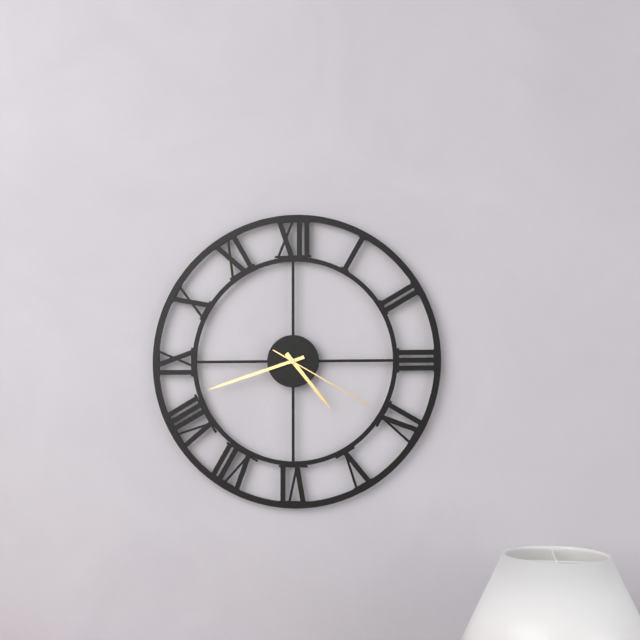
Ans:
4h42m20s
